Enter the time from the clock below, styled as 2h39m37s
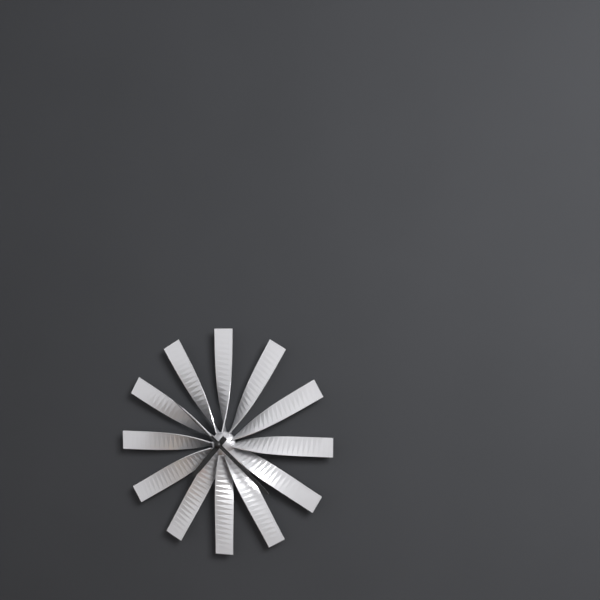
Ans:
7h22m52s
